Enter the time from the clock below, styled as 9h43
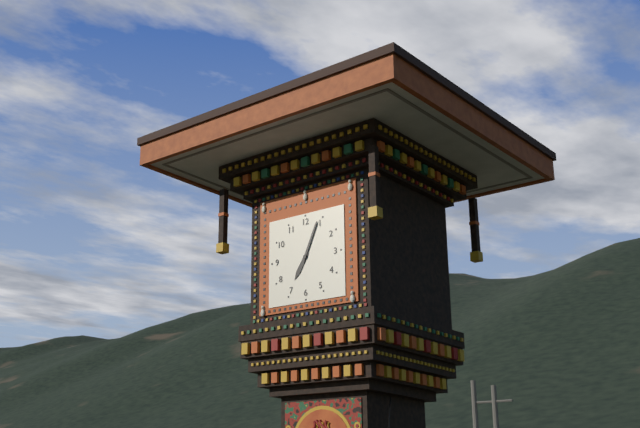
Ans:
7h04
